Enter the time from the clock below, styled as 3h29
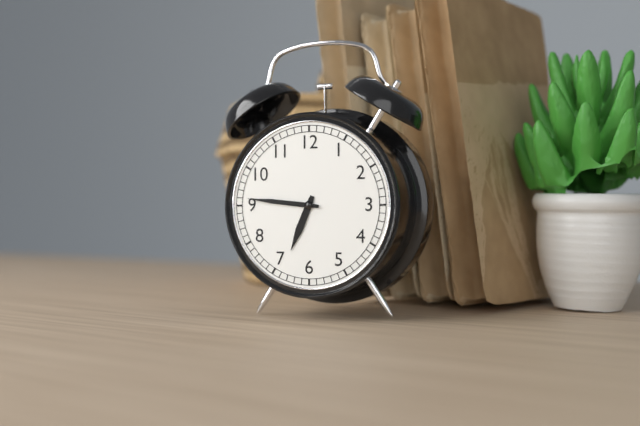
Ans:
6h46
